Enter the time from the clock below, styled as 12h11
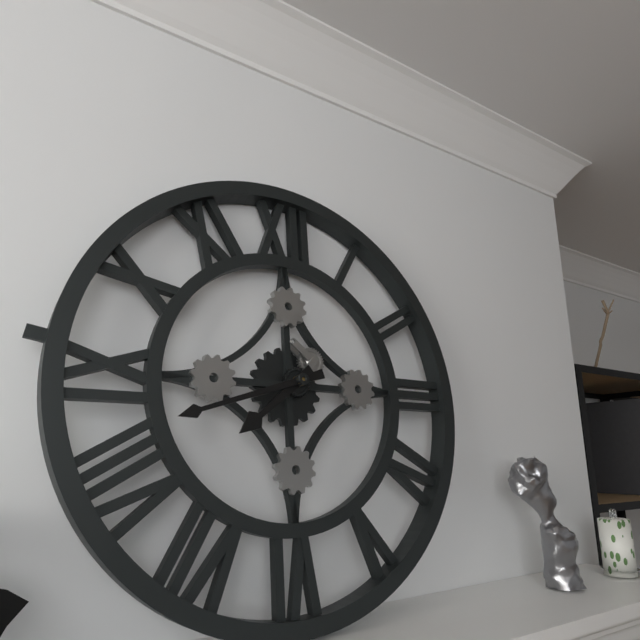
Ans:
7h42
